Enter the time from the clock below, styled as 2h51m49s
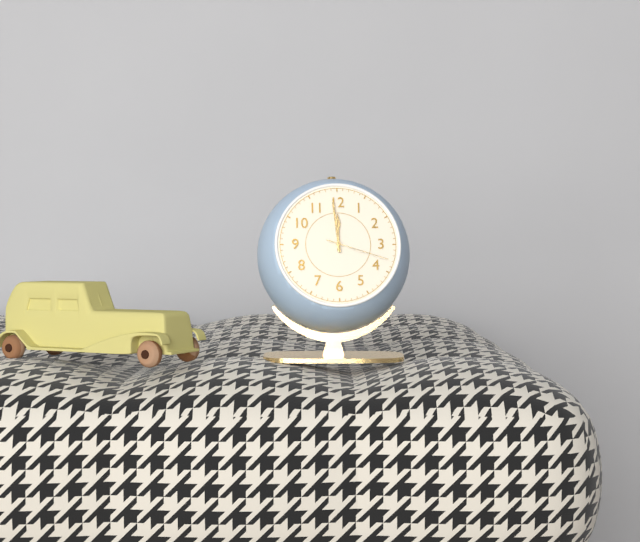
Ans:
11h59m18s
